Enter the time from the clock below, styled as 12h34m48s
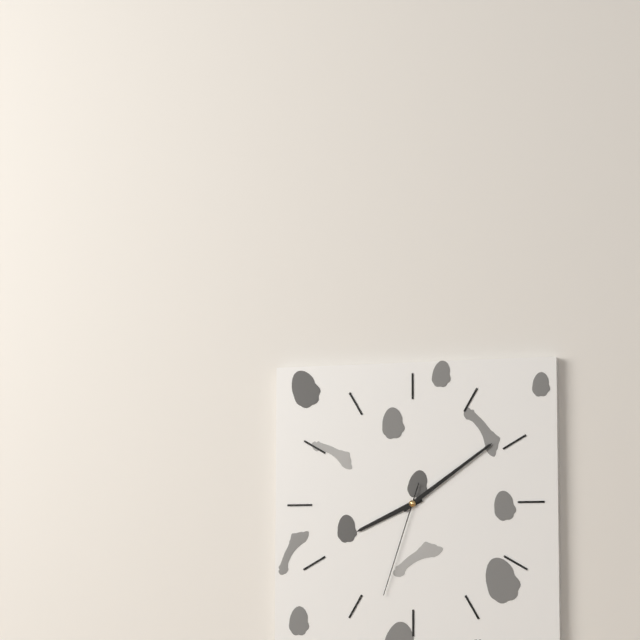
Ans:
8h09m33s
